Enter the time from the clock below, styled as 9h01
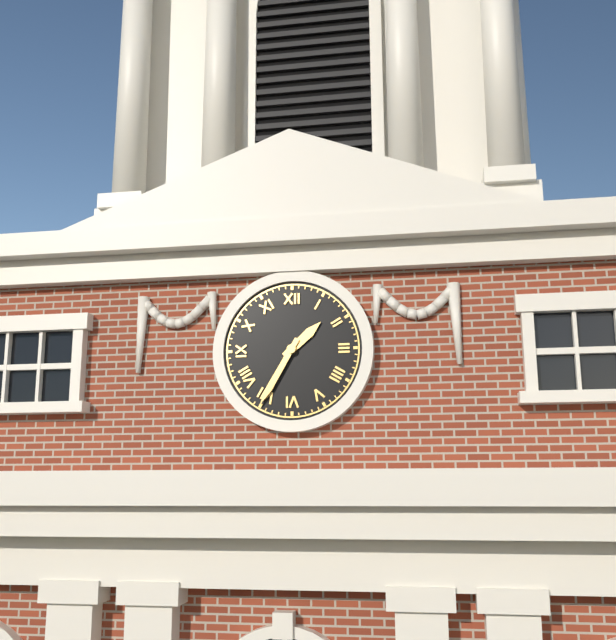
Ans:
1h35
